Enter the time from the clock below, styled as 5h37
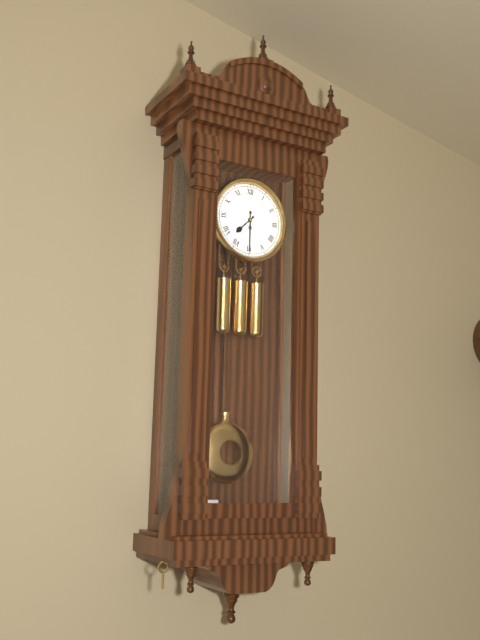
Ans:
7h30
